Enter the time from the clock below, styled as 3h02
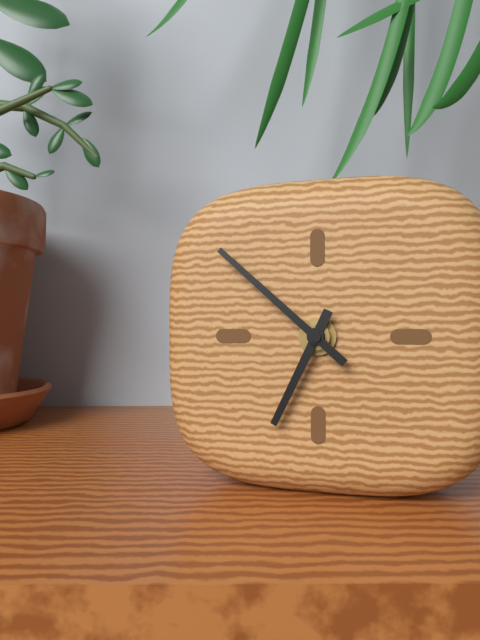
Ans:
6h52
